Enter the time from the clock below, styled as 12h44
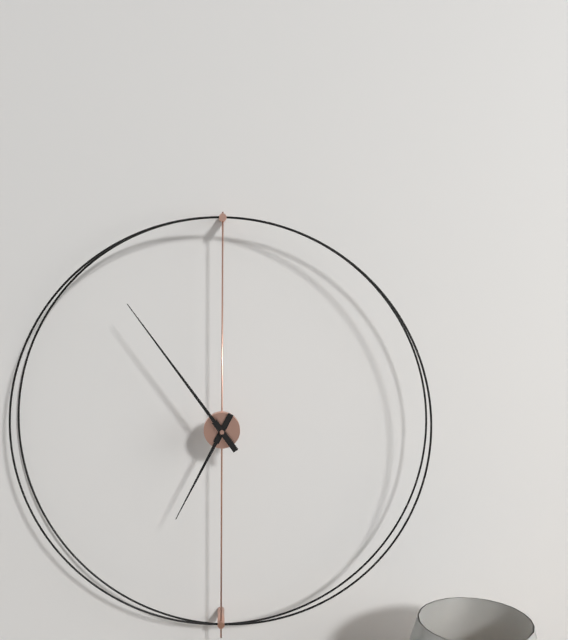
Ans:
6h54
